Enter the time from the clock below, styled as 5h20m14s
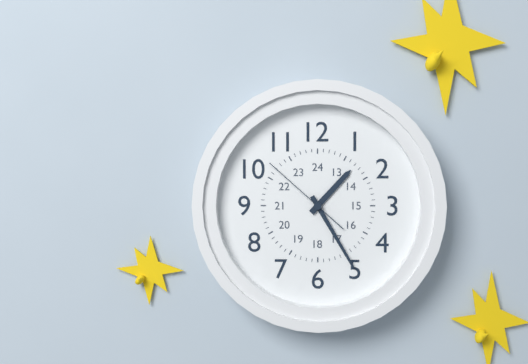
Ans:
1h25m52s
